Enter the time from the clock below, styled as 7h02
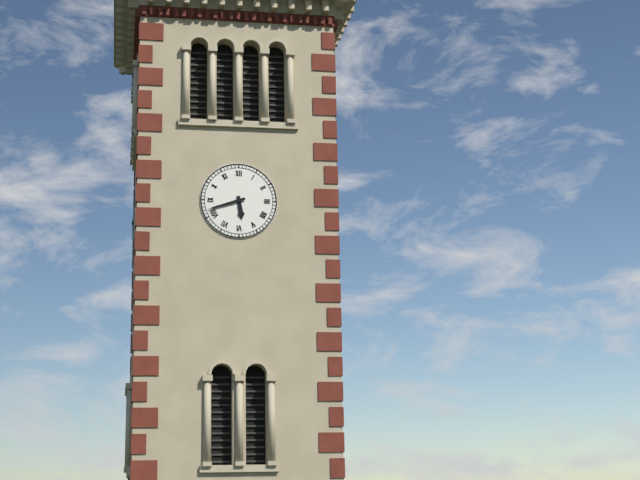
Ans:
5h42
